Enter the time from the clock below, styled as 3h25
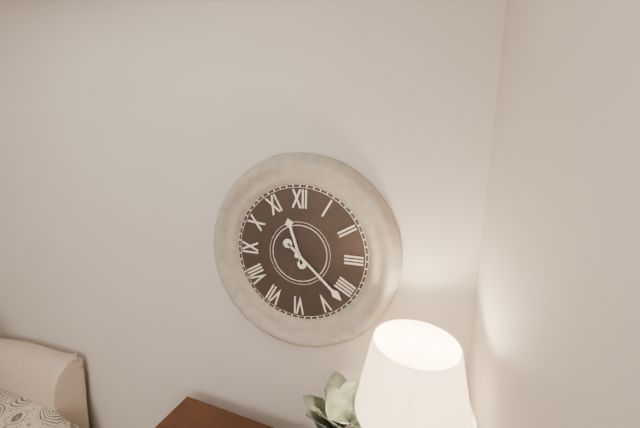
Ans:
11h22
